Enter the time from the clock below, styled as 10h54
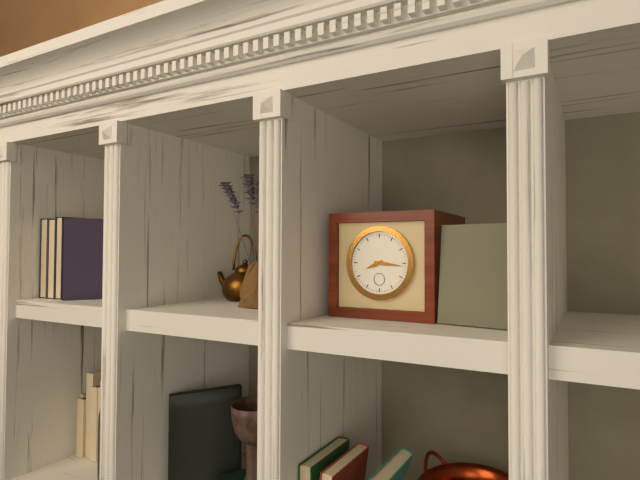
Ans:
8h16
